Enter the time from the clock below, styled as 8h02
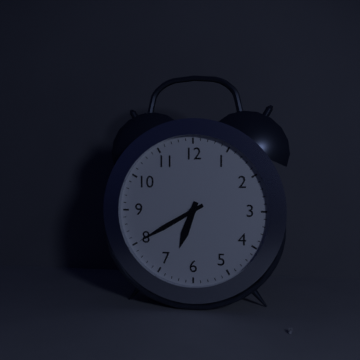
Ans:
6h40
